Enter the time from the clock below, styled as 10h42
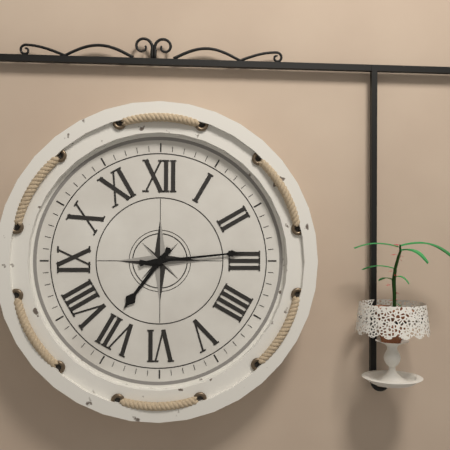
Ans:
7h14
